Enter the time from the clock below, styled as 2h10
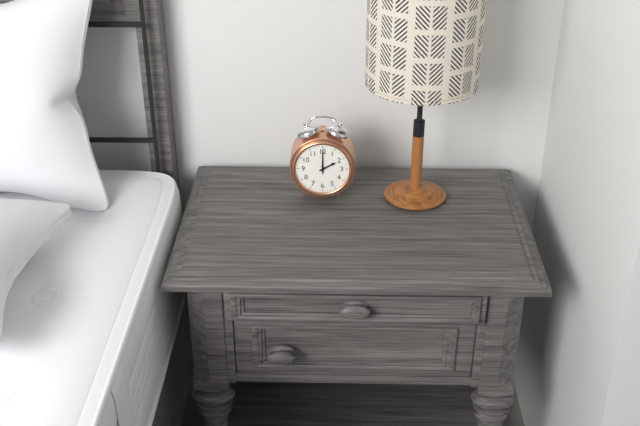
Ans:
2h00
